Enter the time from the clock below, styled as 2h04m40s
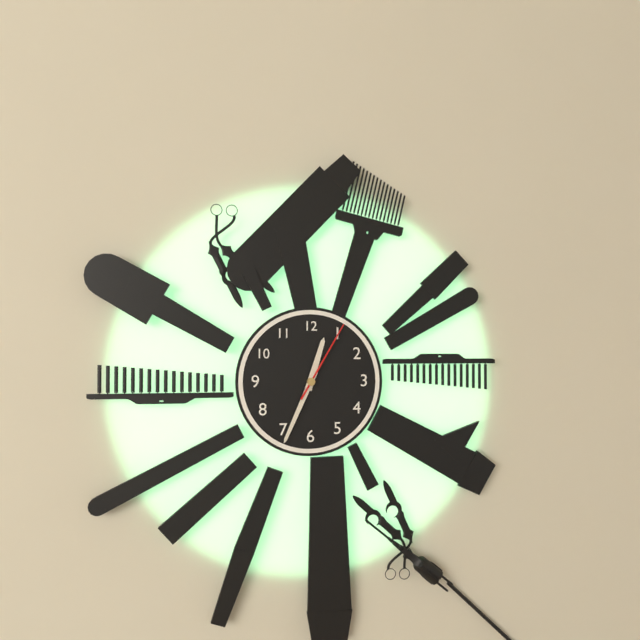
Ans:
12h34m05s
